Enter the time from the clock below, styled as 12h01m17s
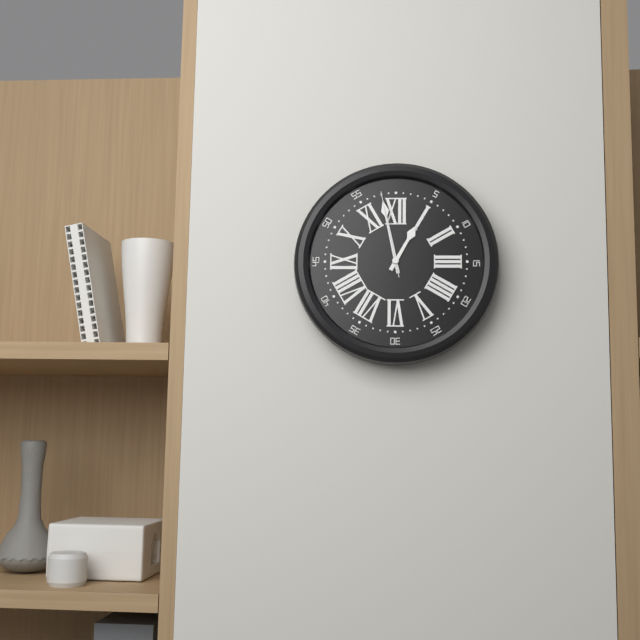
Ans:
12h58m58s
